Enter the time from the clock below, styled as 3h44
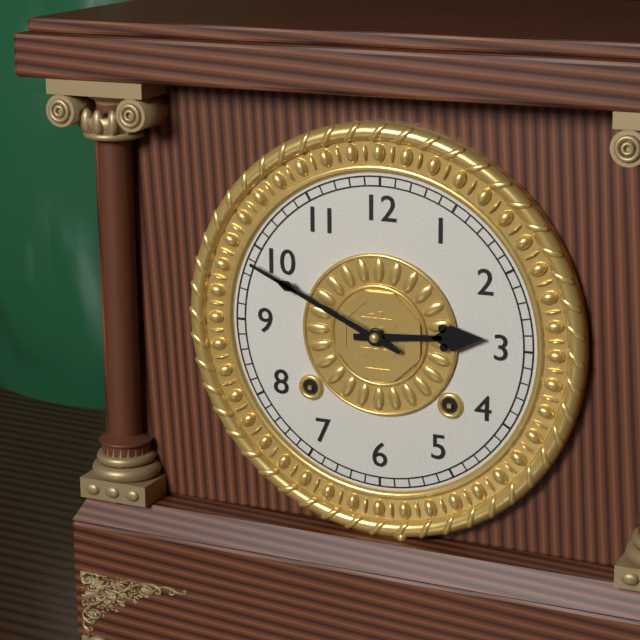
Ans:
2h49
